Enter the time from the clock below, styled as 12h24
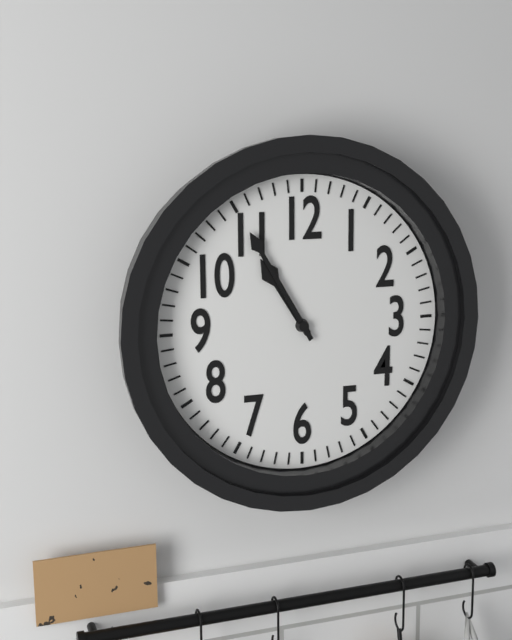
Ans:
10h55
